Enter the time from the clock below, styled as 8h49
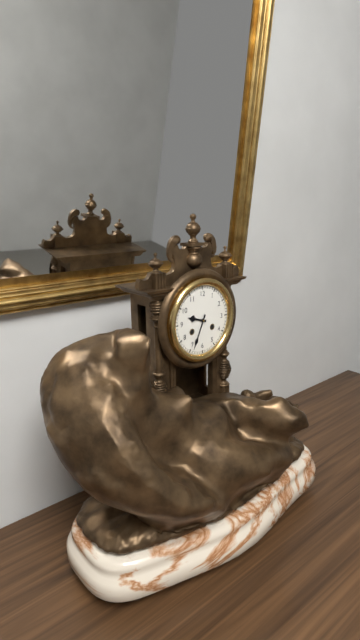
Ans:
9h34
